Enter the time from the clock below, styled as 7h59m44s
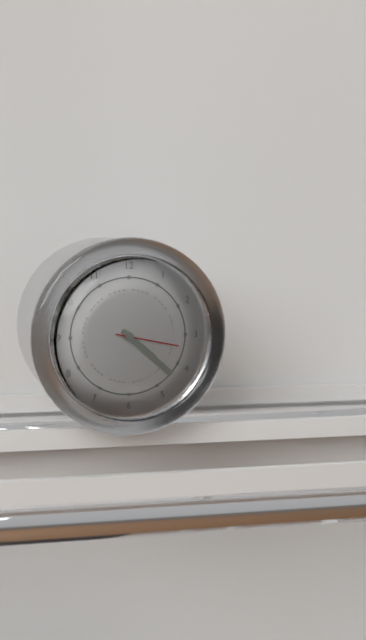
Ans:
4h22m17s
